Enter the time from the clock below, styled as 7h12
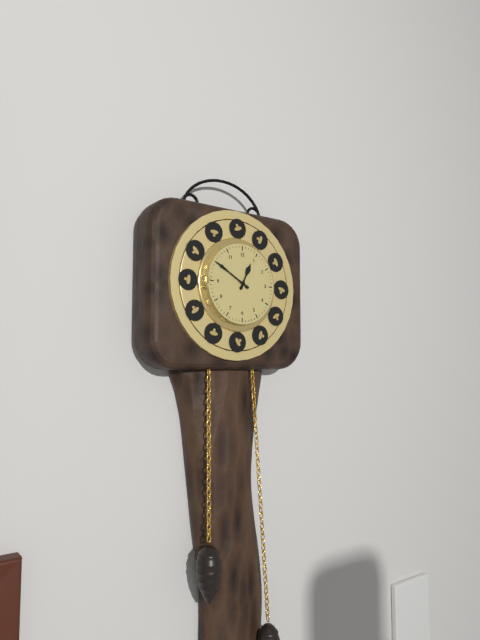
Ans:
12h50
